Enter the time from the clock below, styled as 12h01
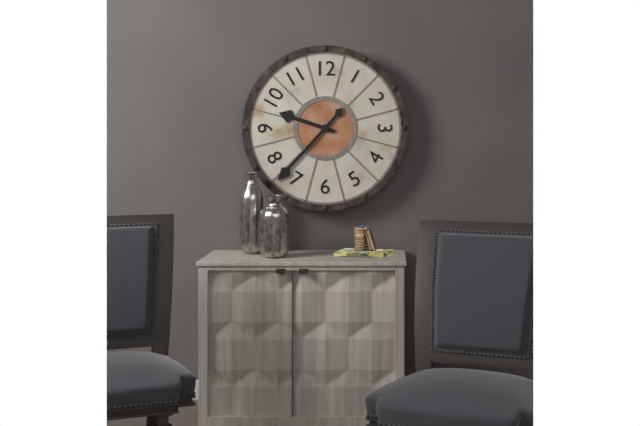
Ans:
9h37
